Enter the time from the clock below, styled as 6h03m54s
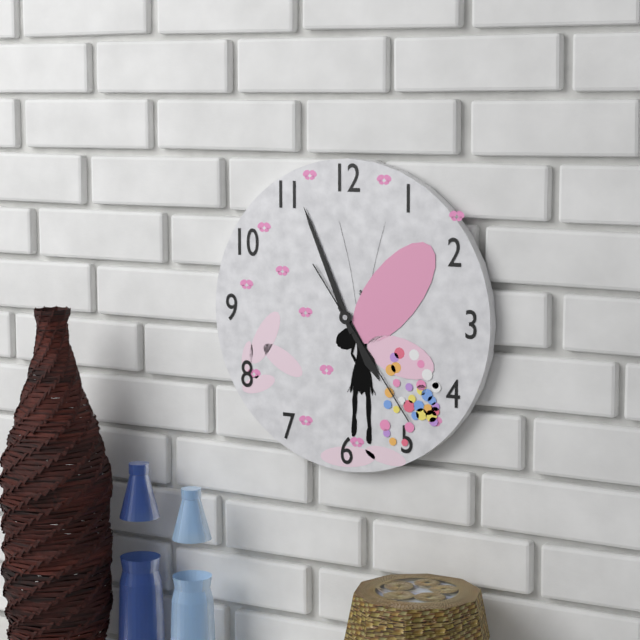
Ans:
4h56m24s
